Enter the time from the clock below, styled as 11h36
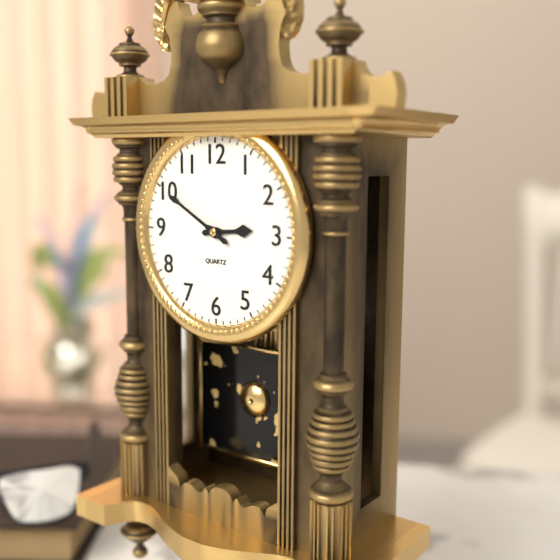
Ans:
2h50
